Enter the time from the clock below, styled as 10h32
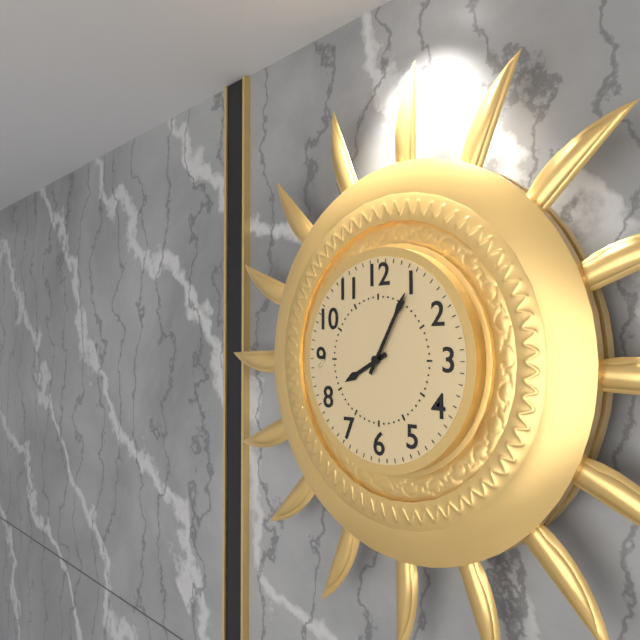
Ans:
8h05
